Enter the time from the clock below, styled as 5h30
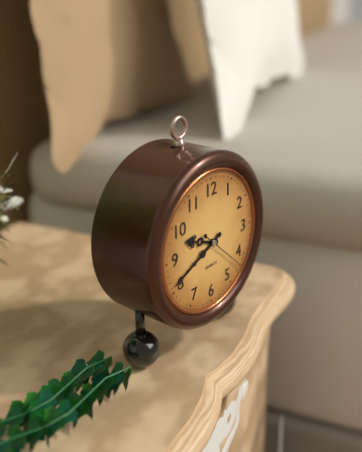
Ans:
9h41
